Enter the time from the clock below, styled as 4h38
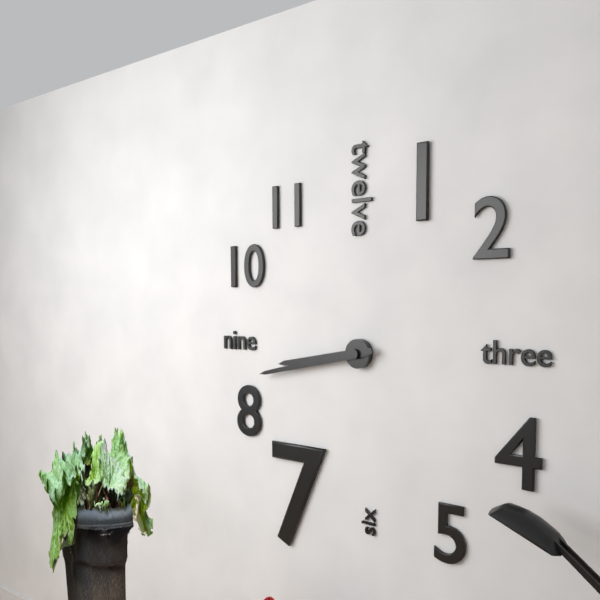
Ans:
8h43
